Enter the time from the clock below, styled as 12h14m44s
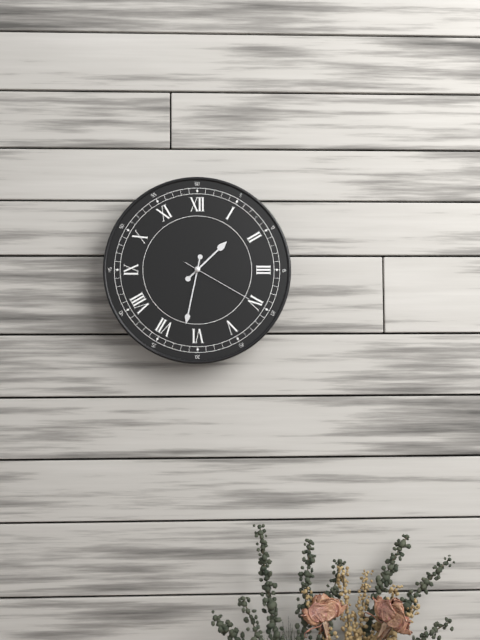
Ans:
1h32m20s
